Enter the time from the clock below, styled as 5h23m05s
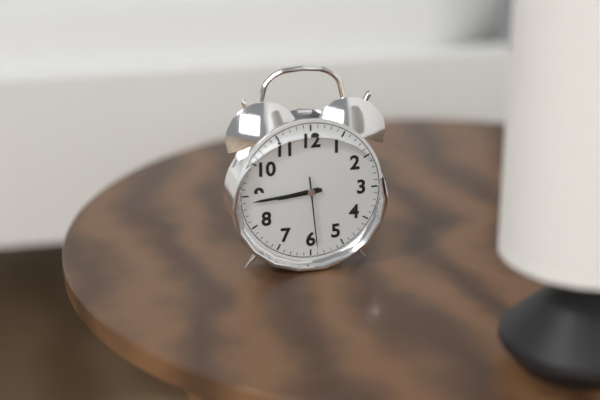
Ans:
8h44m29s
